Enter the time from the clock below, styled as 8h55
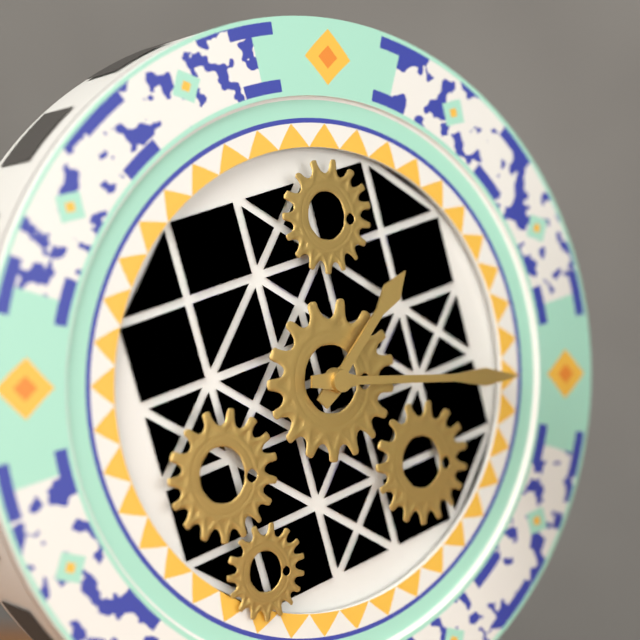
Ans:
1h15
